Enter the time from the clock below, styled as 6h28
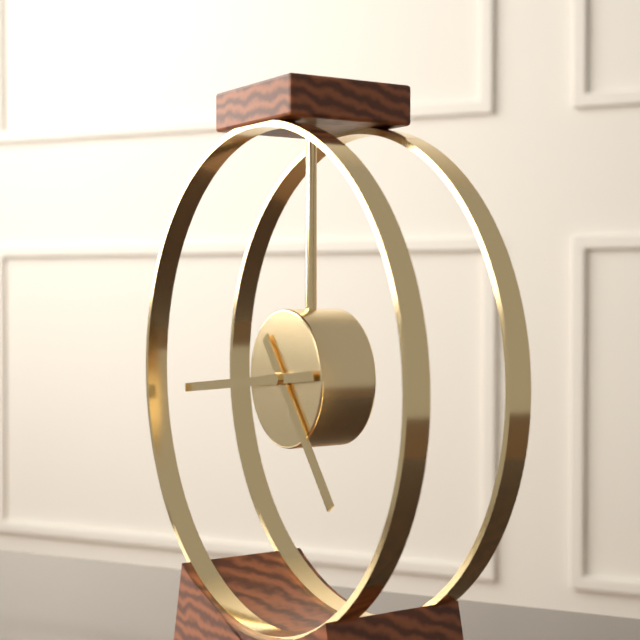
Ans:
4h44
